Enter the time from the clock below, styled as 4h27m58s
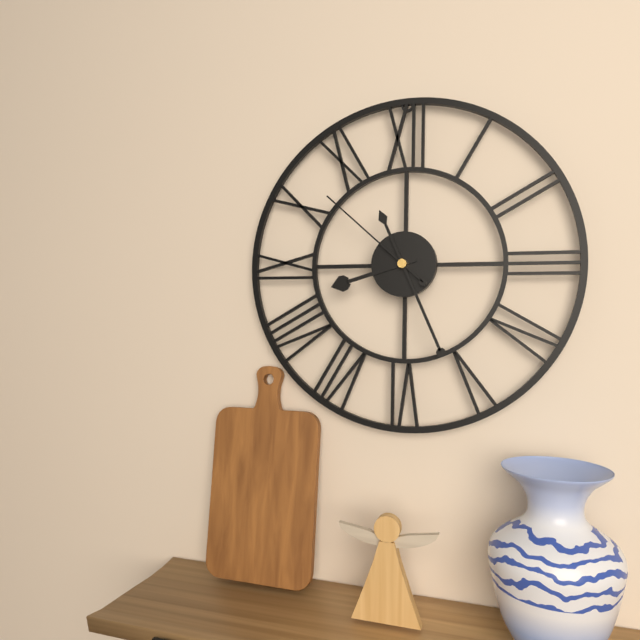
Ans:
8h26m52s
